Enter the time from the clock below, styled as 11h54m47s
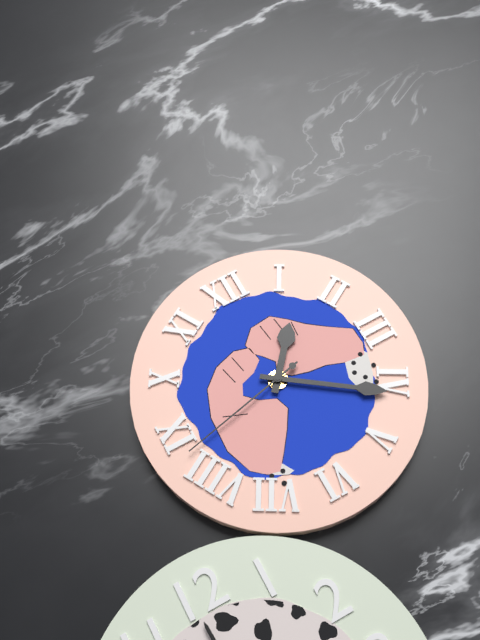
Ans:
1h21m43s
